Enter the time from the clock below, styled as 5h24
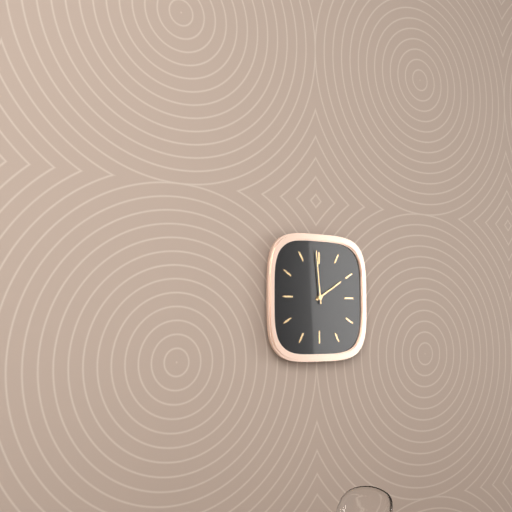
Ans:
1h59
